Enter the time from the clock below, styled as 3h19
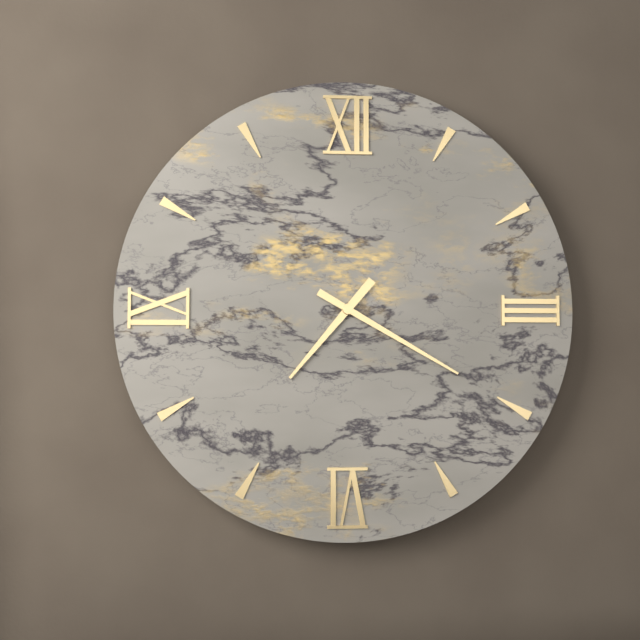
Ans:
7h20
